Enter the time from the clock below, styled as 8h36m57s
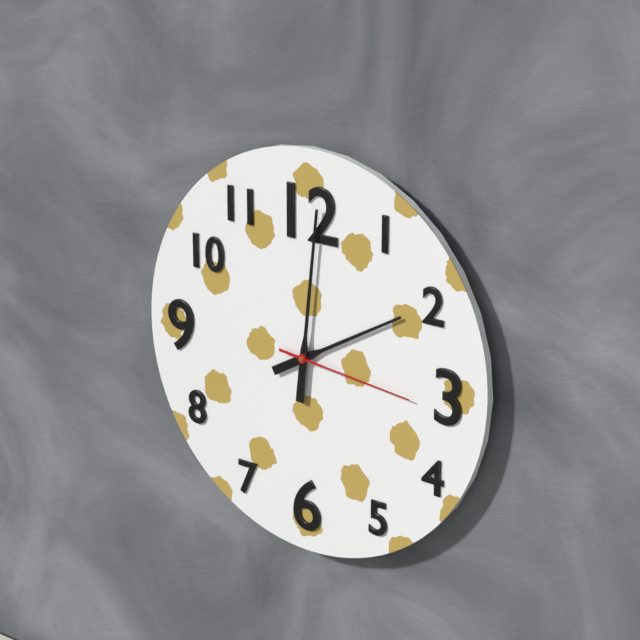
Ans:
2h01m16s
